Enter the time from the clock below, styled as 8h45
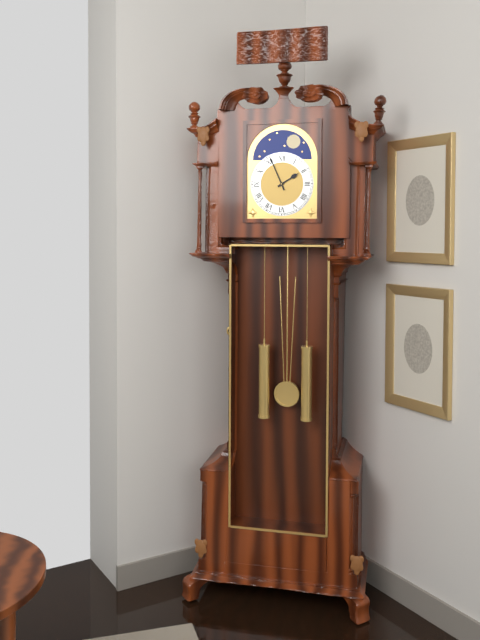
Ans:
1h56
